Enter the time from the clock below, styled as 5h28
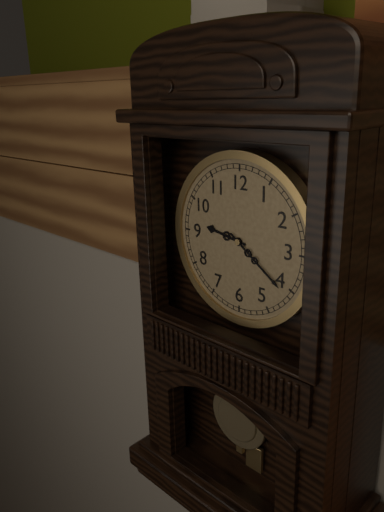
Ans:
9h21
